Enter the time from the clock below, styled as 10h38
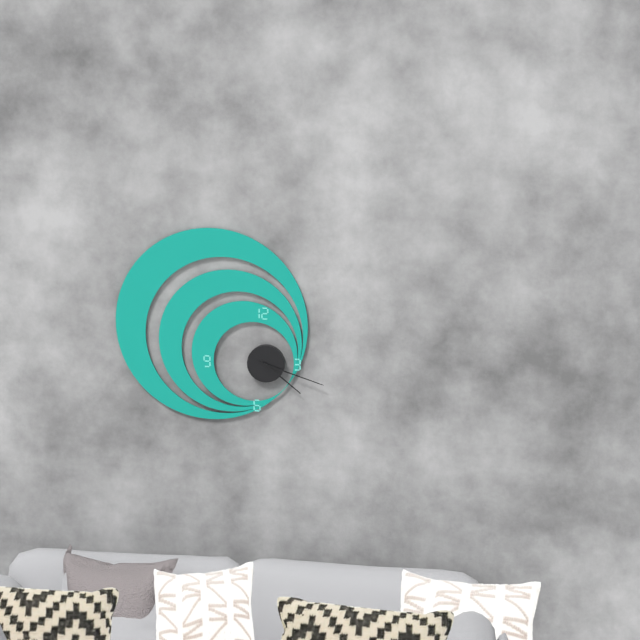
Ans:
4h18
